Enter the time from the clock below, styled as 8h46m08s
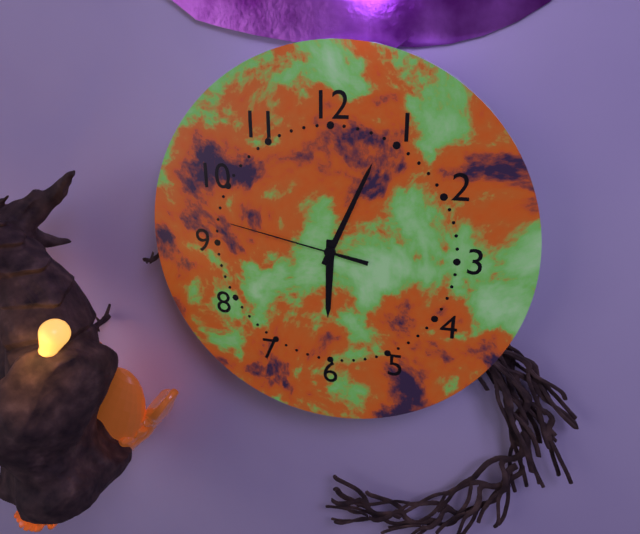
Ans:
6h04m47s
